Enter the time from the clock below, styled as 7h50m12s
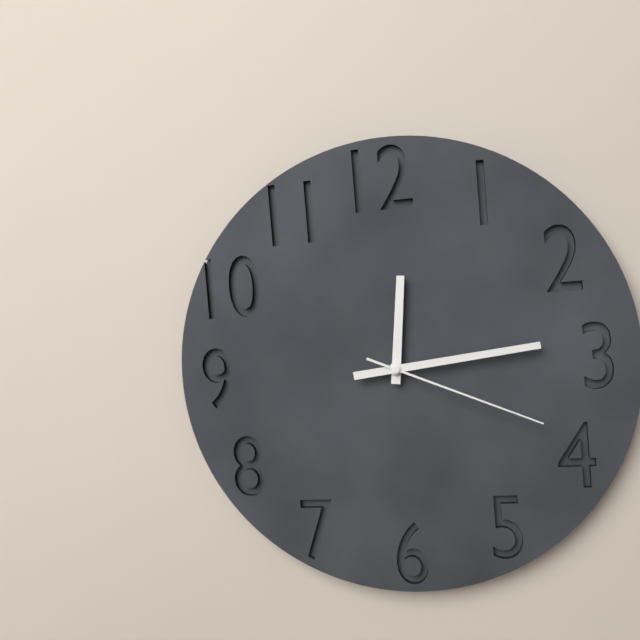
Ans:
12h14m19s
